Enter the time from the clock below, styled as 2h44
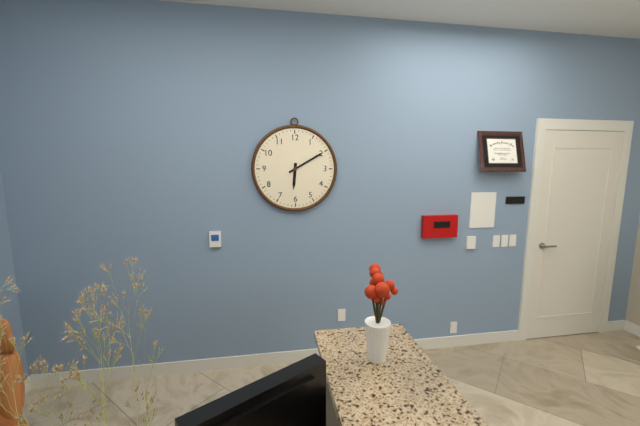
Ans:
6h10
